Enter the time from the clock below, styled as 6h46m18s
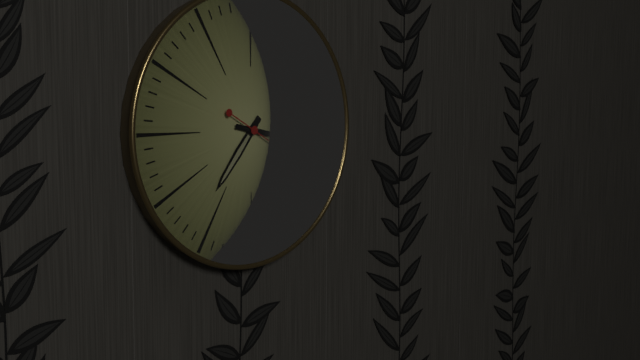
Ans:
7h17m20s
